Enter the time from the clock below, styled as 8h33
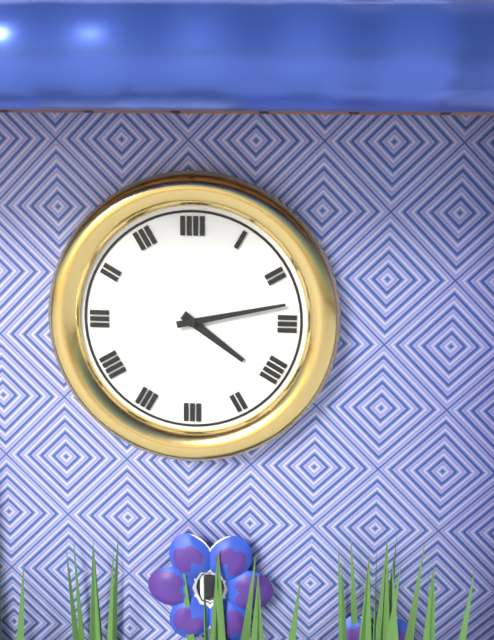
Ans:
4h13
